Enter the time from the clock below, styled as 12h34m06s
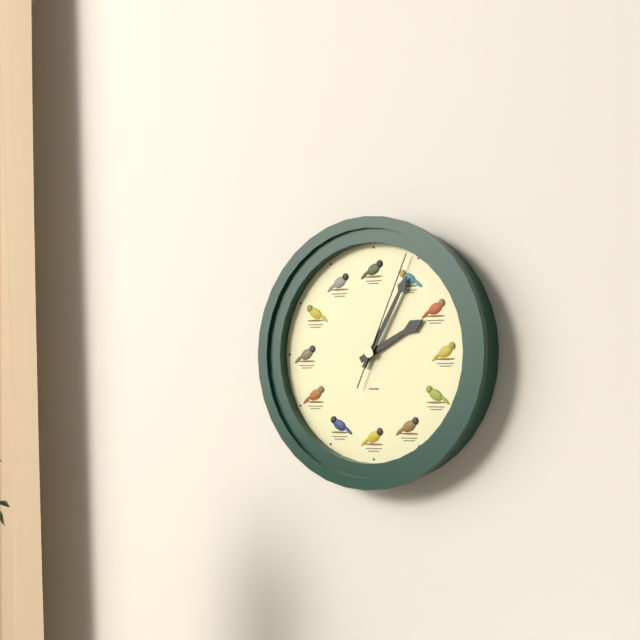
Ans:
2h05m04s
